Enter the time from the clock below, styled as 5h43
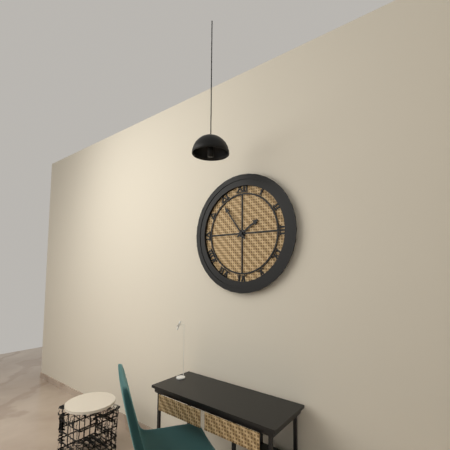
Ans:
1h54
